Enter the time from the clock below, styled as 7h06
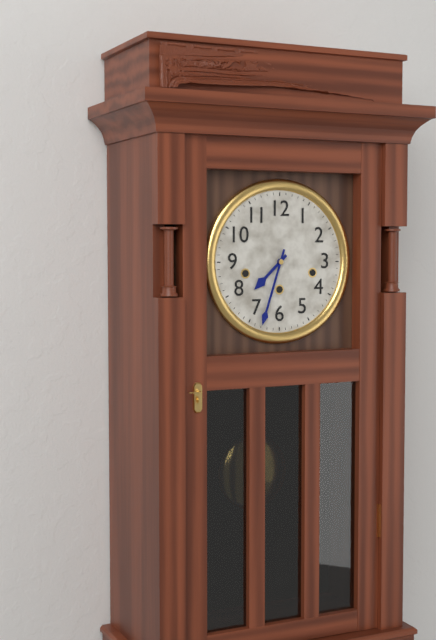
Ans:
7h33
